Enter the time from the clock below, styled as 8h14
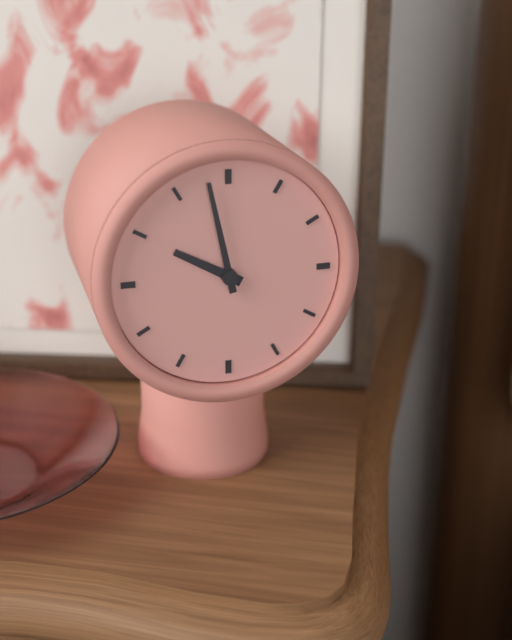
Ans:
9h58
